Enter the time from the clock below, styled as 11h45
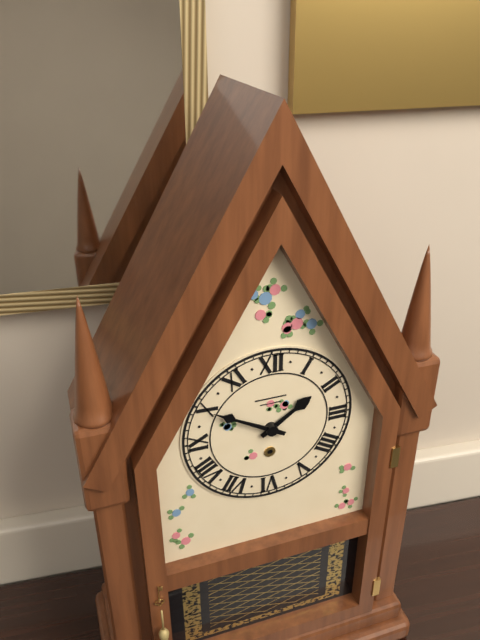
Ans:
1h50
